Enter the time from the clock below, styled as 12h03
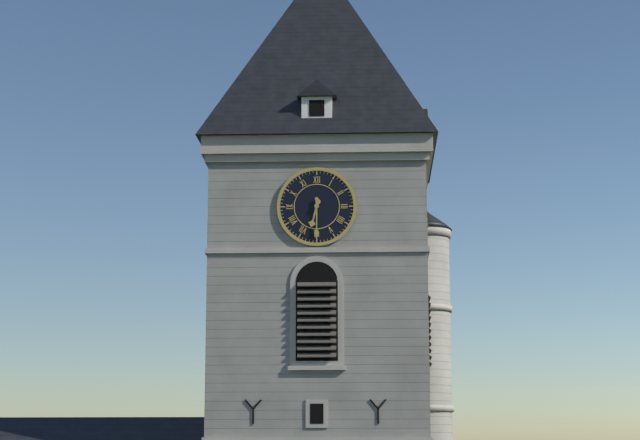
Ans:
6h30
